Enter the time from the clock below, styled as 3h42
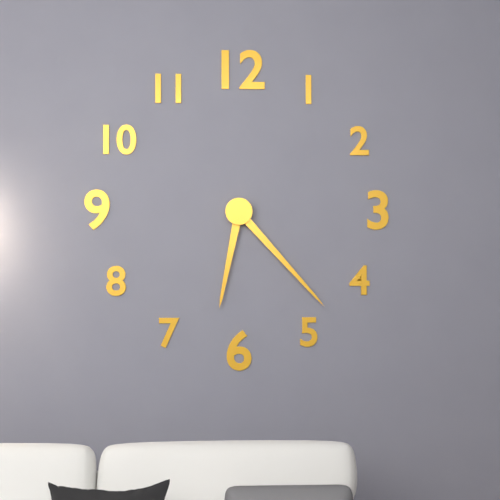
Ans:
6h23
